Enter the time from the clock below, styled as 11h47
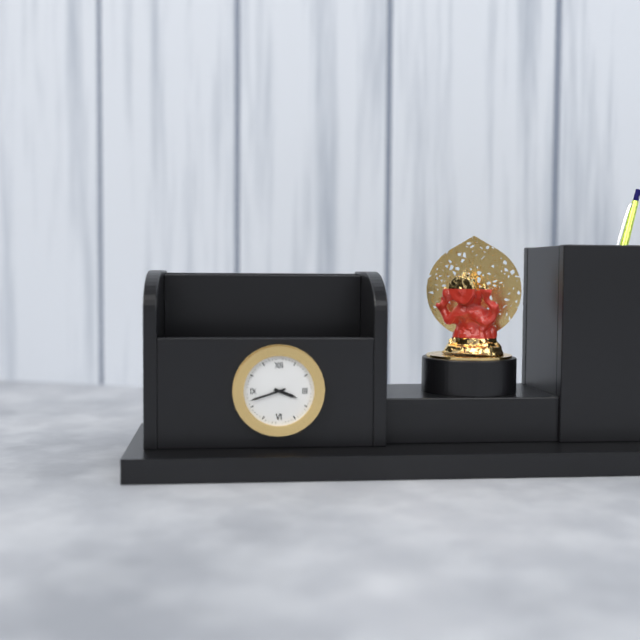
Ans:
3h42
